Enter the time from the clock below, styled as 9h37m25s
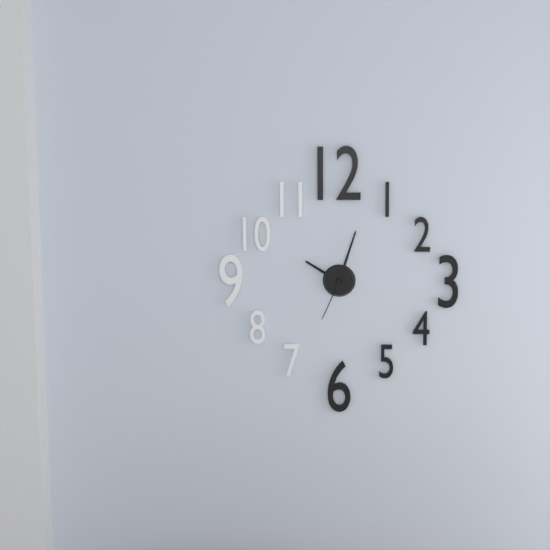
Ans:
10h03m34s
